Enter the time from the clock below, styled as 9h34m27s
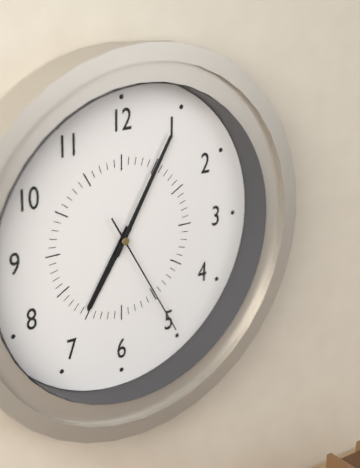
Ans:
7h05m25s
